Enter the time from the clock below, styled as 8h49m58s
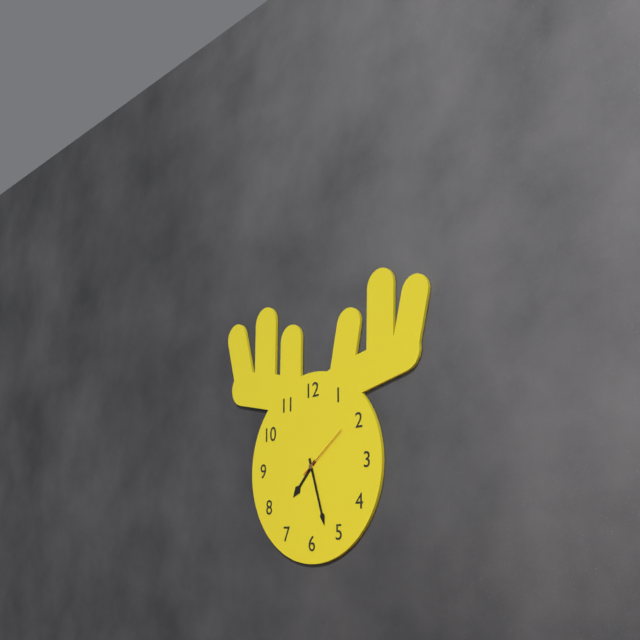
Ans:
7h27m09s
